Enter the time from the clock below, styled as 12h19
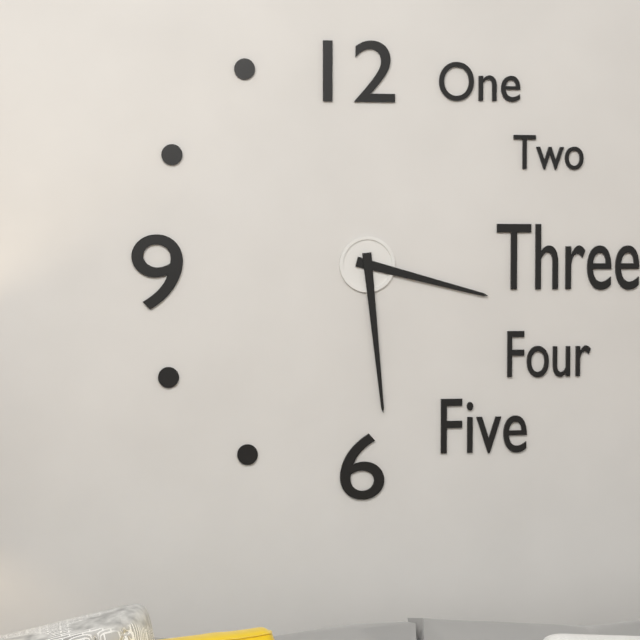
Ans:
3h29
